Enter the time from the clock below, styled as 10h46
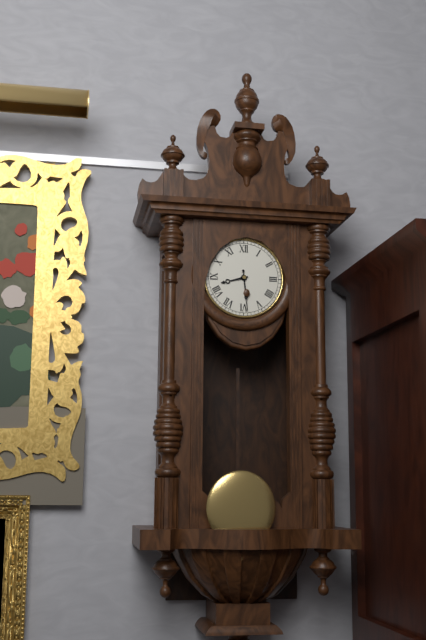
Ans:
8h29
